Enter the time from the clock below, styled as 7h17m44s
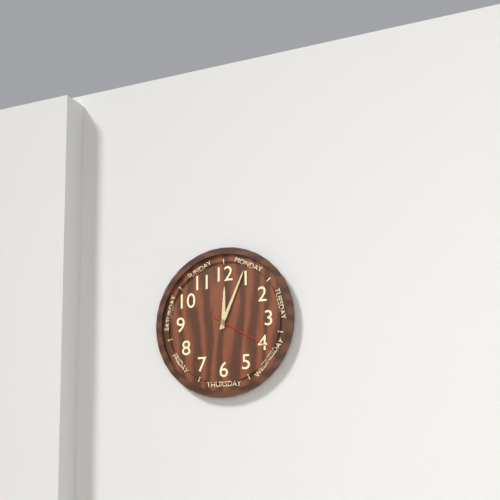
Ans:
12h04m20s
